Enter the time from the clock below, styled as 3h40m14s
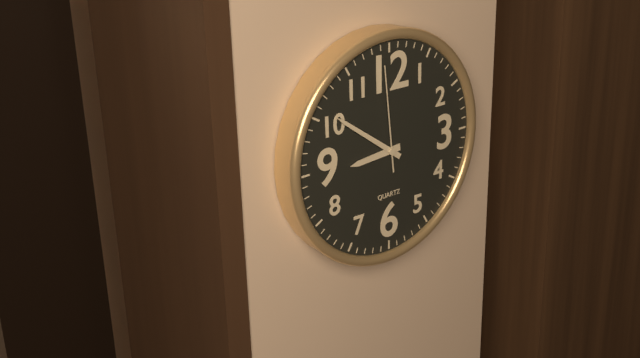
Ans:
8h51m59s
